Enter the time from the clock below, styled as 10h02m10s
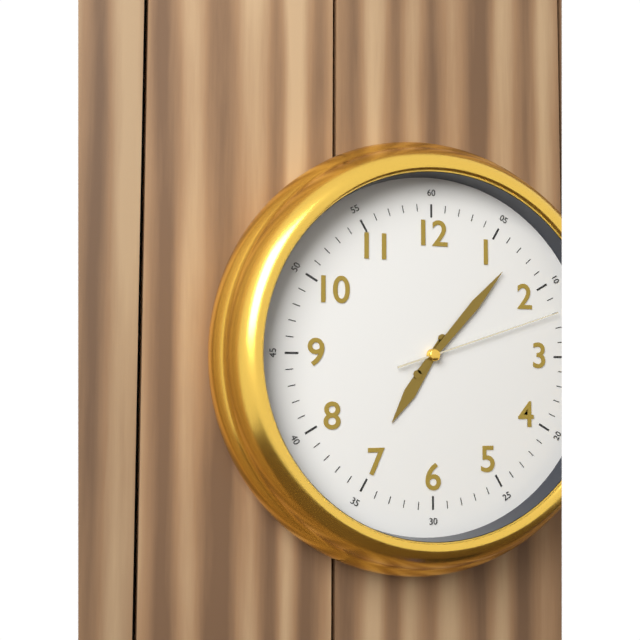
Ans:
7h07m12s
